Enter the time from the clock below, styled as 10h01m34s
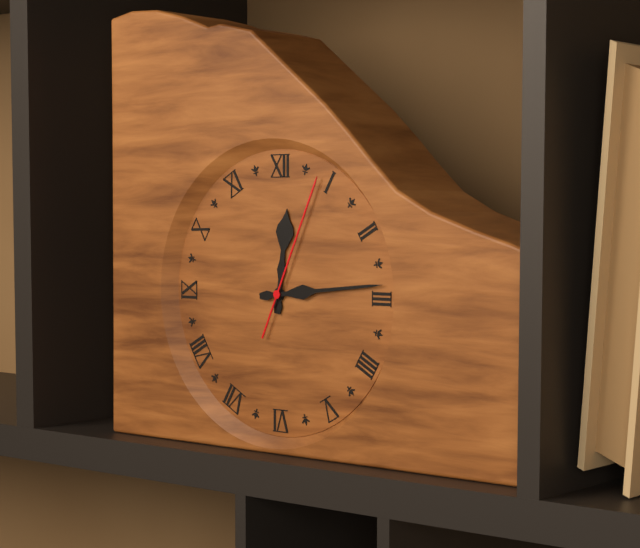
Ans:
12h14m04s
